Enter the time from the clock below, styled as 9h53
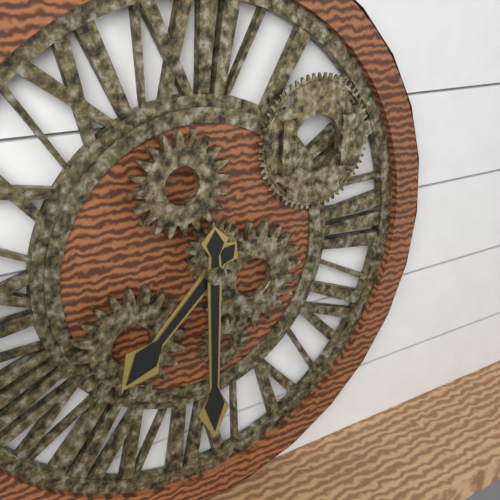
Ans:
7h30
